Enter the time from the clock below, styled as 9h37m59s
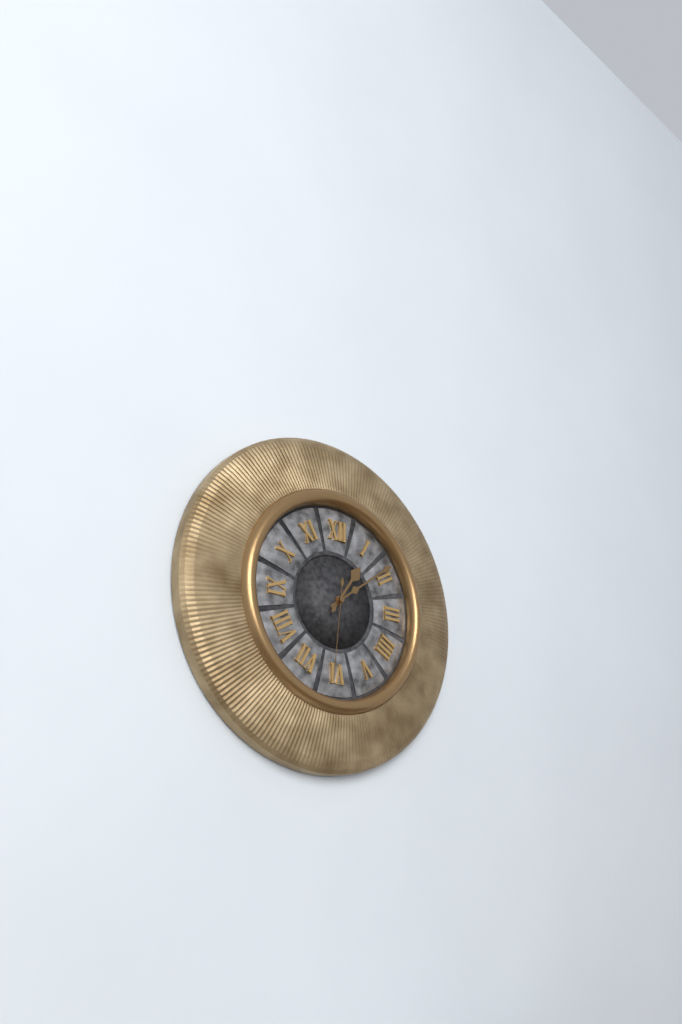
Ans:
1h09m31s
